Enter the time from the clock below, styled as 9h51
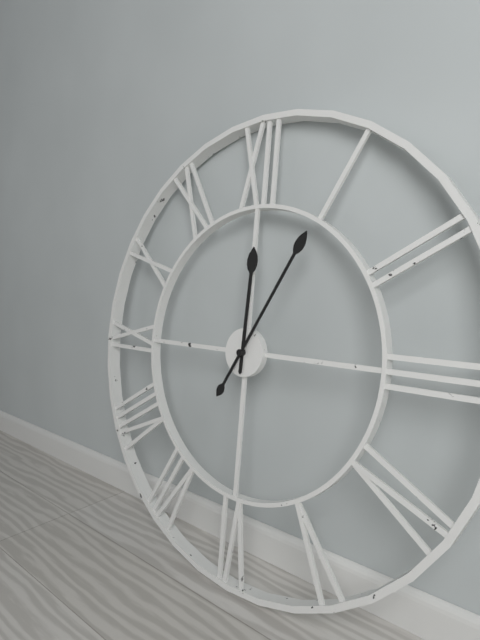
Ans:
12h05
